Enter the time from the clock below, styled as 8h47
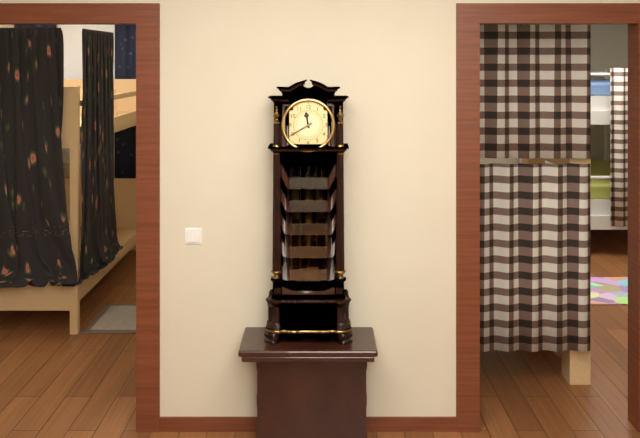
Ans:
11h40
